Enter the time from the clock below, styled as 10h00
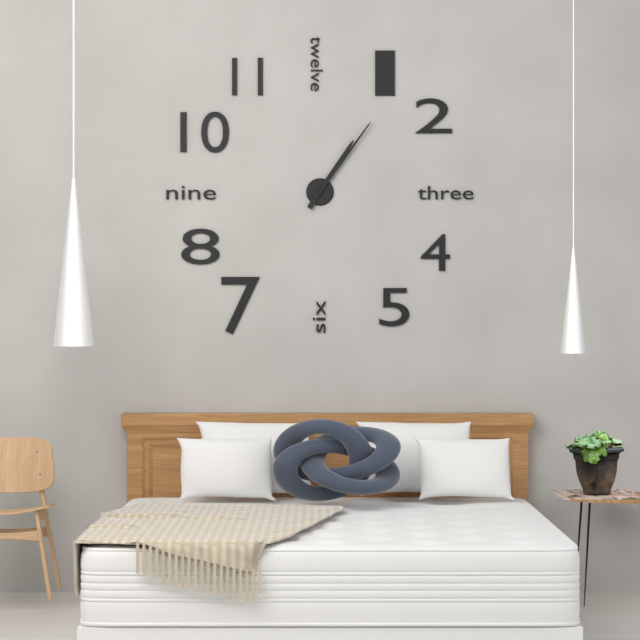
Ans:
1h06
